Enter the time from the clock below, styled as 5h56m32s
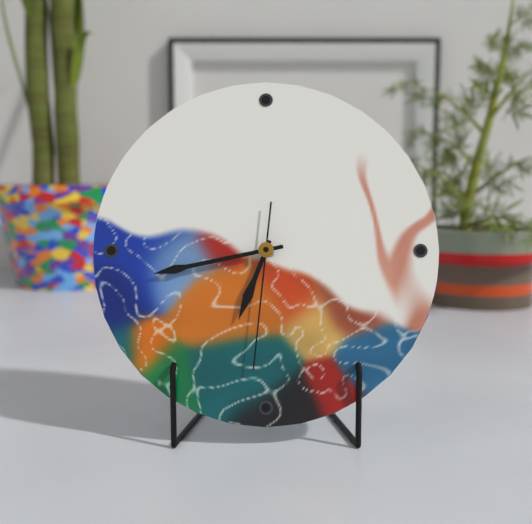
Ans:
6h43m31s
